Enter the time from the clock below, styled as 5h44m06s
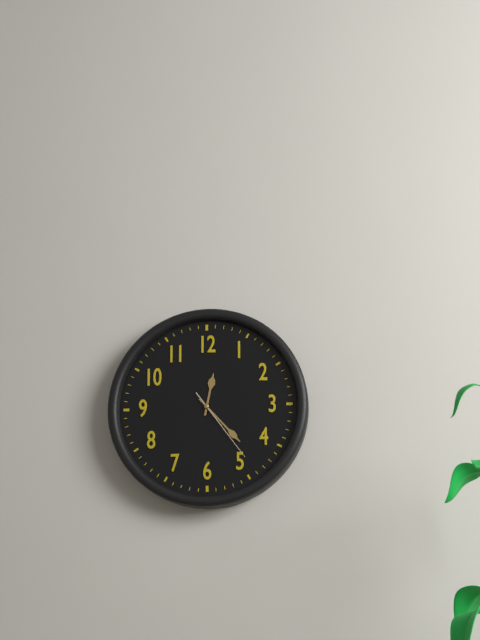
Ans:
12h23m24s
